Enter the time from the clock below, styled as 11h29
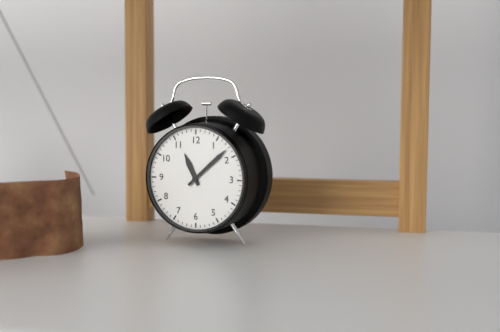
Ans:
11h08
